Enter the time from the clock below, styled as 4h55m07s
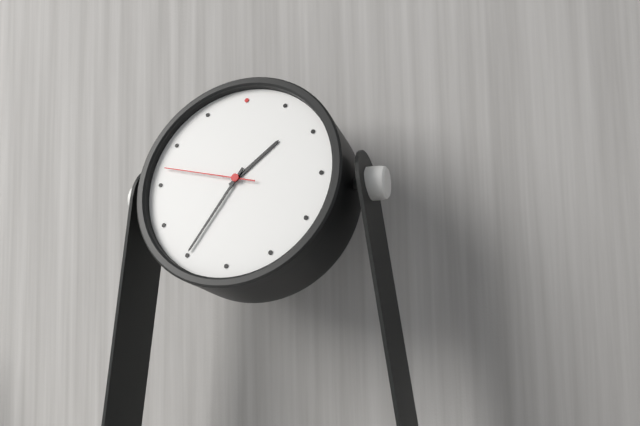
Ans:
1h35m47s
